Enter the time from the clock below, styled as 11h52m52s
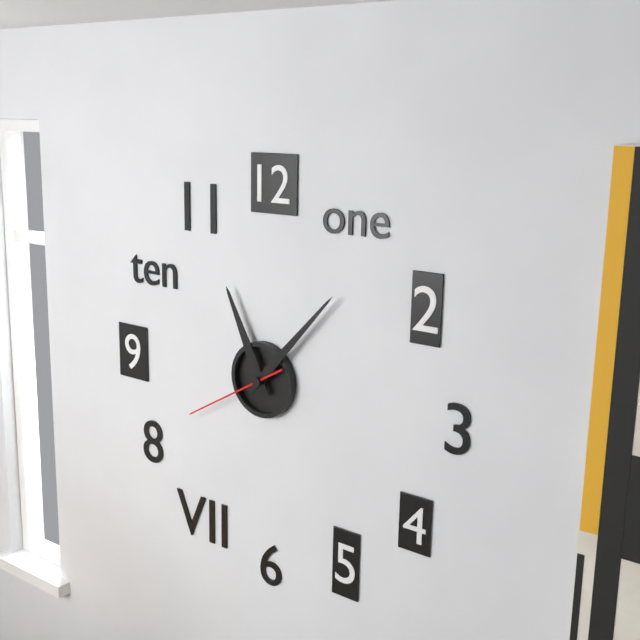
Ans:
11h07m40s
